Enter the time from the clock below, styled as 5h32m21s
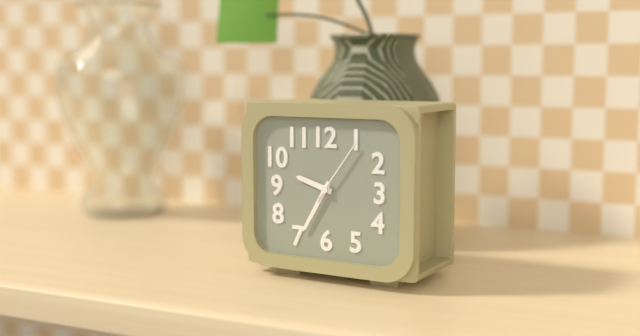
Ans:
9h35m06s
